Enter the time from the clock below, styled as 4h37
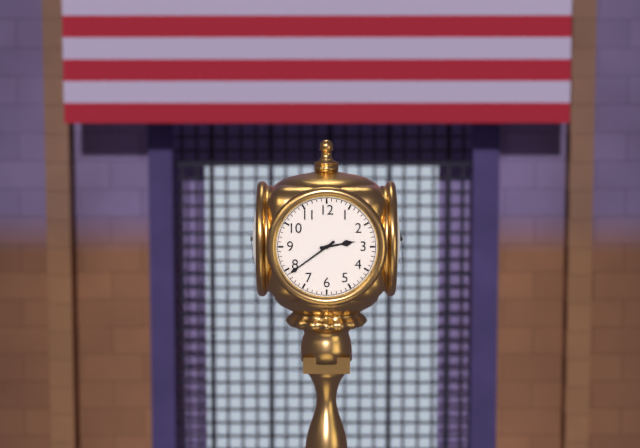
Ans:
2h39
